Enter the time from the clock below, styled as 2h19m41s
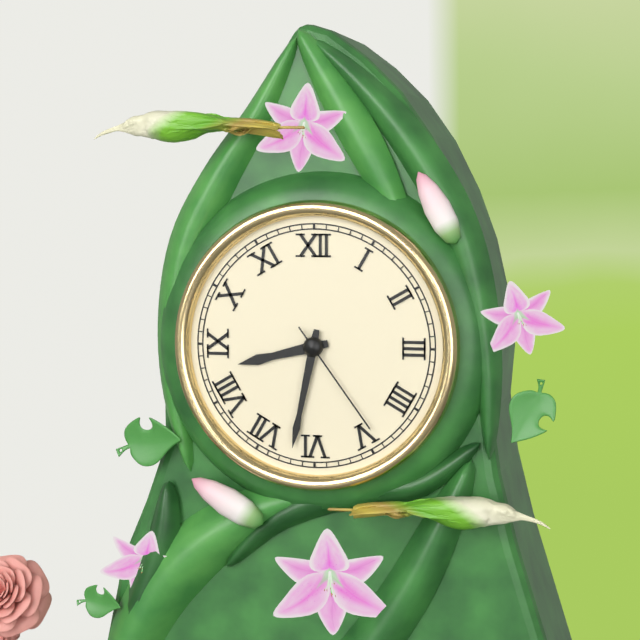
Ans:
8h32m24s
